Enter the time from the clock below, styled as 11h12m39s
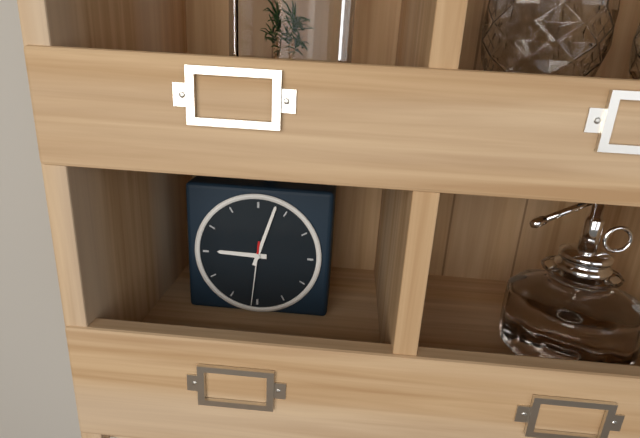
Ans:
9h03m31s
